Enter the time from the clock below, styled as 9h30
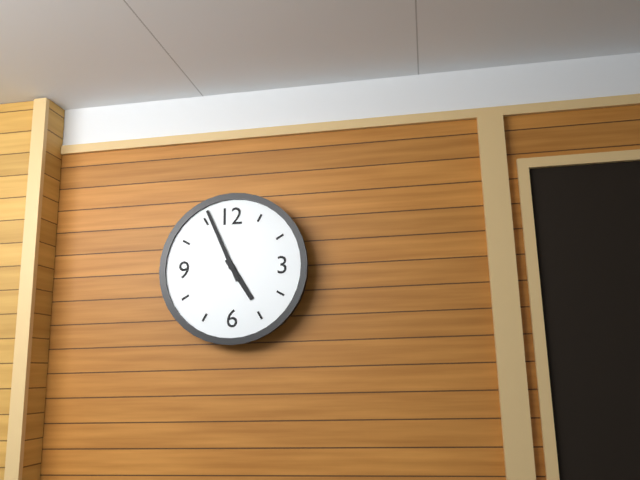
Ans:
4h56
